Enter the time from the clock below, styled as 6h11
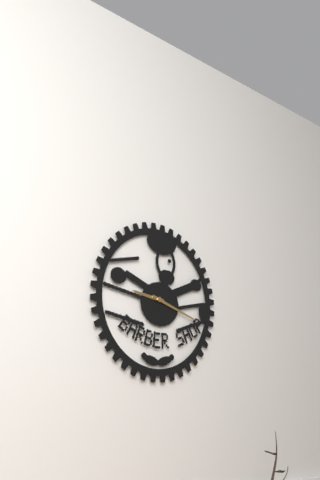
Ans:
9h18
